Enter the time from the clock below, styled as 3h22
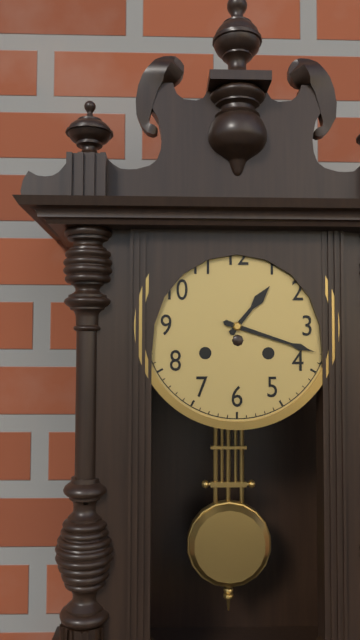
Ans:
1h18
